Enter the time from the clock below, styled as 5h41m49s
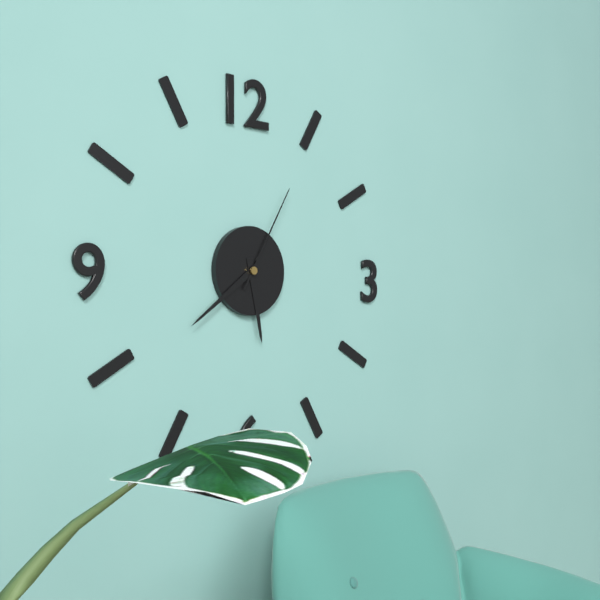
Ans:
5h39m05s
